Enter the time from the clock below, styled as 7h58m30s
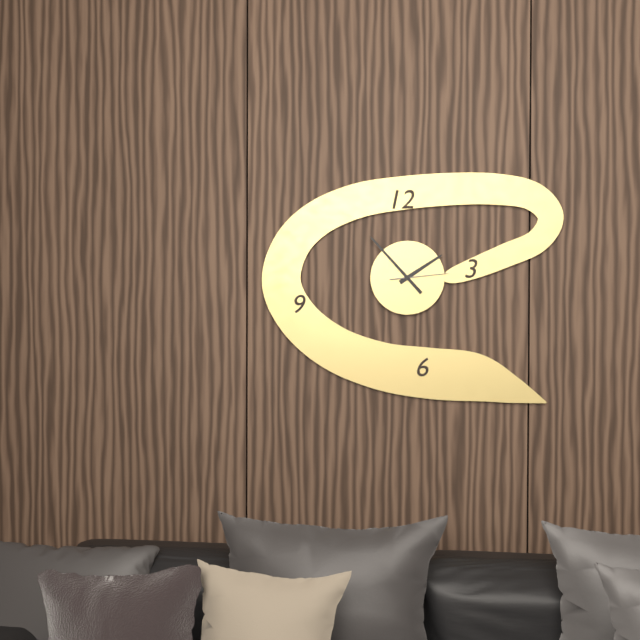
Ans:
1h53m14s
